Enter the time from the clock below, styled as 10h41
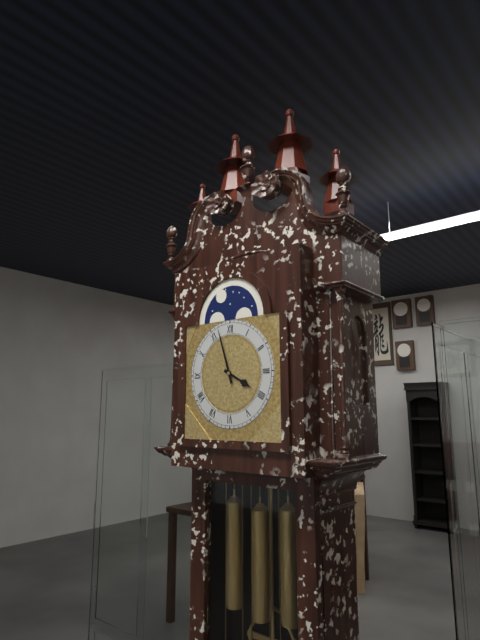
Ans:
3h57
